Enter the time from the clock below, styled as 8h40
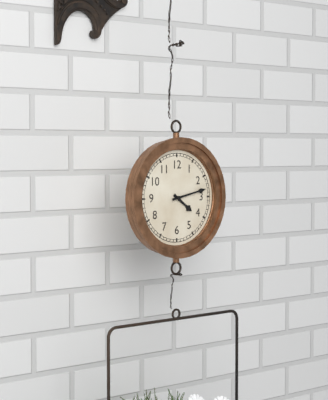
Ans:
4h13
